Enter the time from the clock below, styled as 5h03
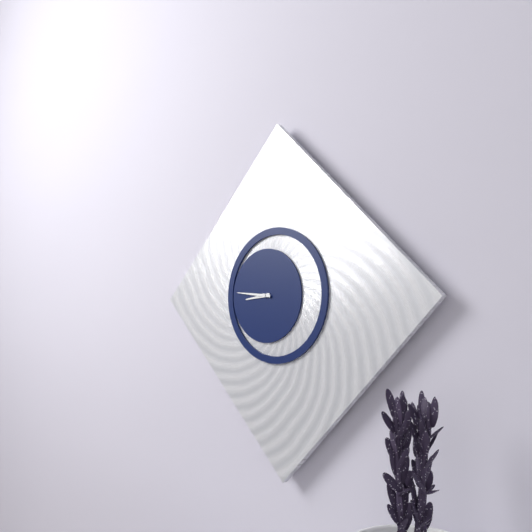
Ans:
8h46
